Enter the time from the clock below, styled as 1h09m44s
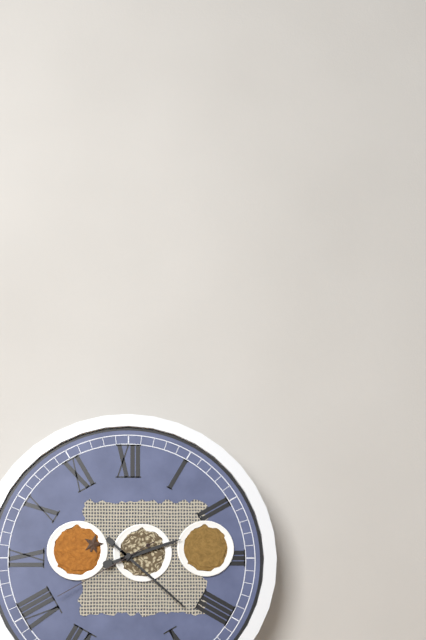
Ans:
2h22m40s
